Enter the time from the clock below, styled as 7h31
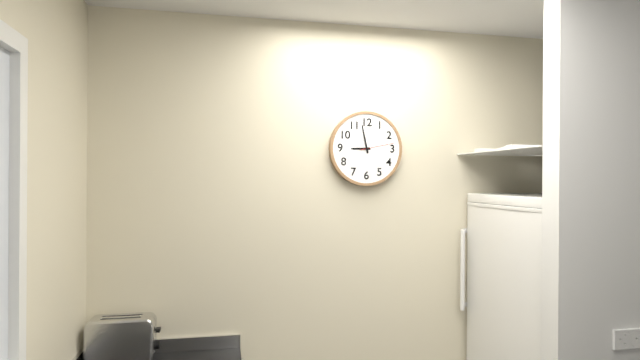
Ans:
8h58
